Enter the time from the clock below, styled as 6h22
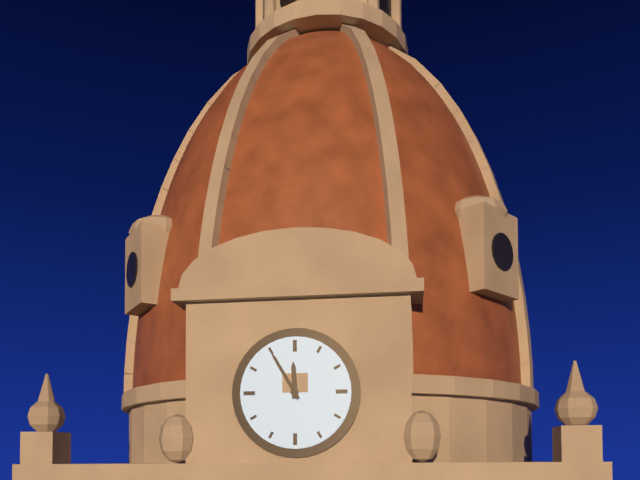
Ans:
11h55
